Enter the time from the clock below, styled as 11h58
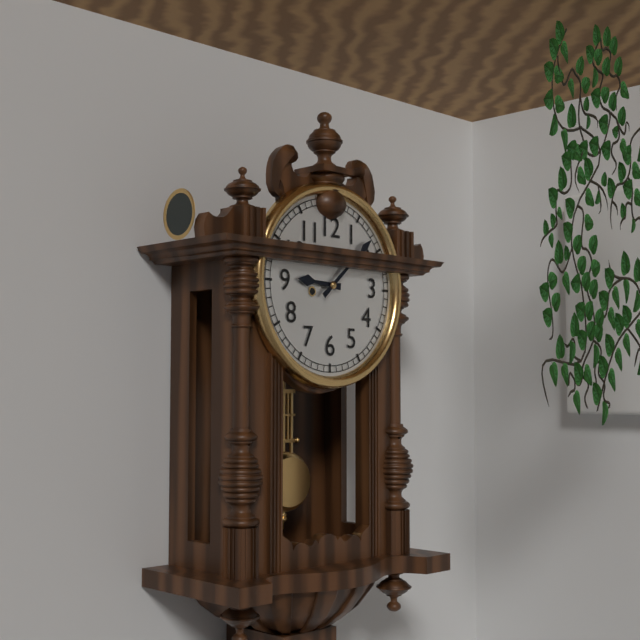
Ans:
9h08
